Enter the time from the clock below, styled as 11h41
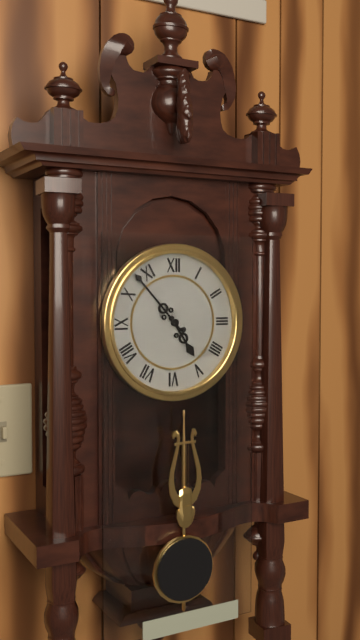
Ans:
4h53
